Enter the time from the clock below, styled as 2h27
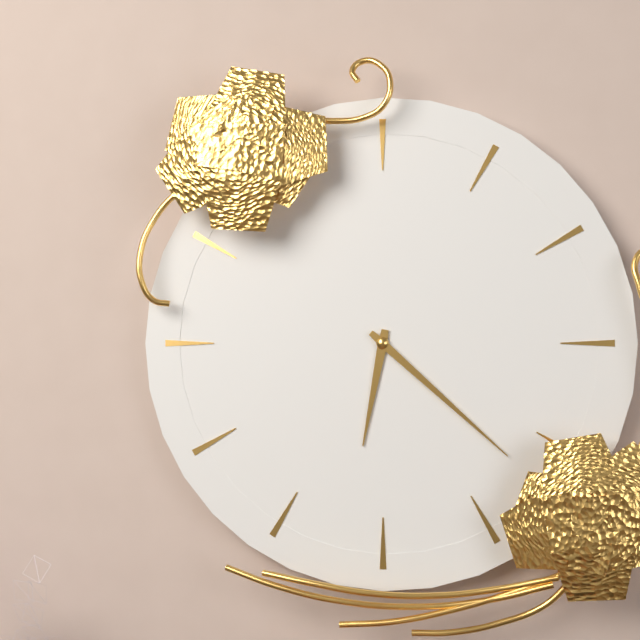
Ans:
6h22
